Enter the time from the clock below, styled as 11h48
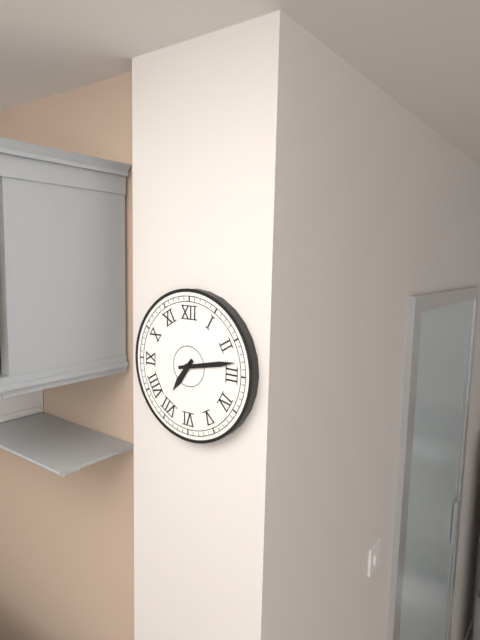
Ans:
7h13
